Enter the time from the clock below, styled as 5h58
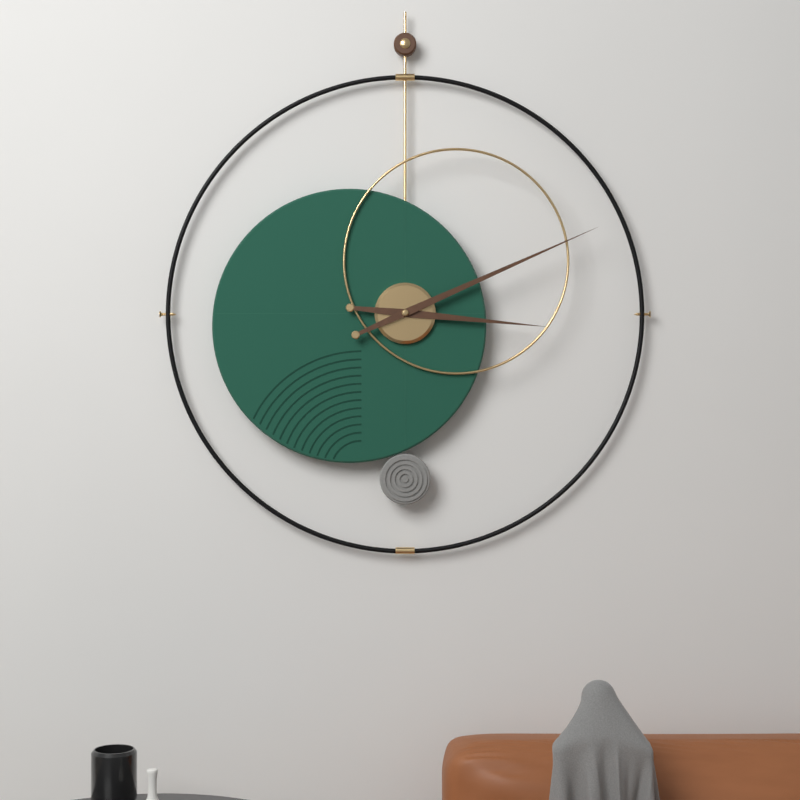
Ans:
3h11
